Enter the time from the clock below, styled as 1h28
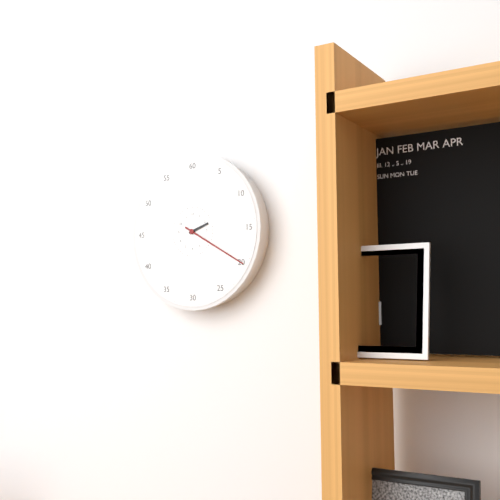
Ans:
2h20
